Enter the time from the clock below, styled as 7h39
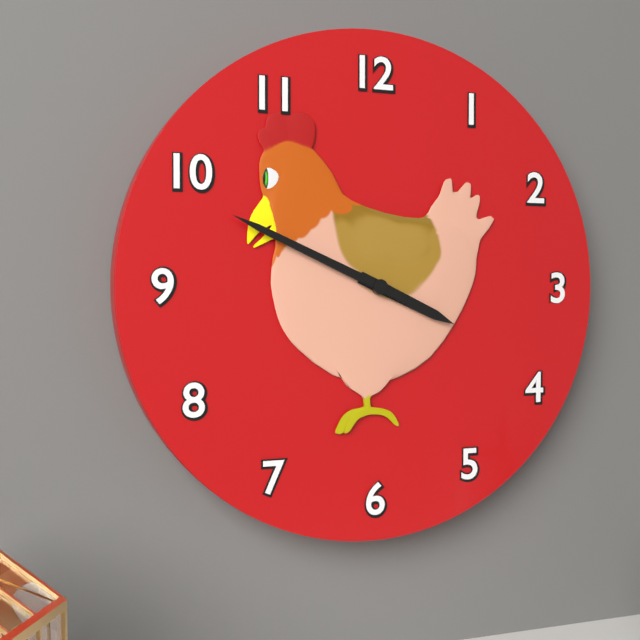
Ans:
3h49
